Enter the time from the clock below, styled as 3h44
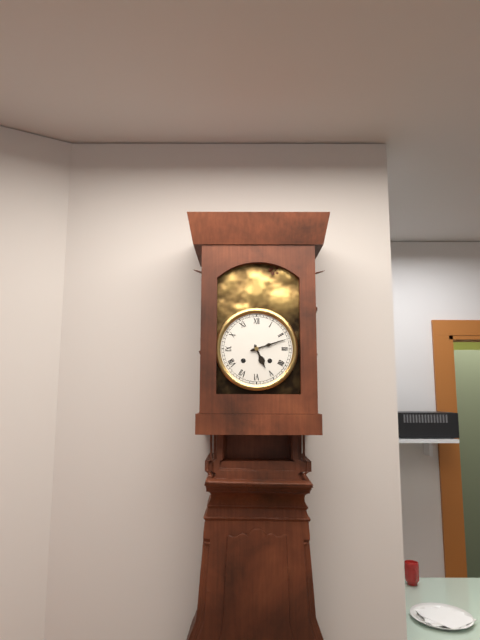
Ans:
5h12
